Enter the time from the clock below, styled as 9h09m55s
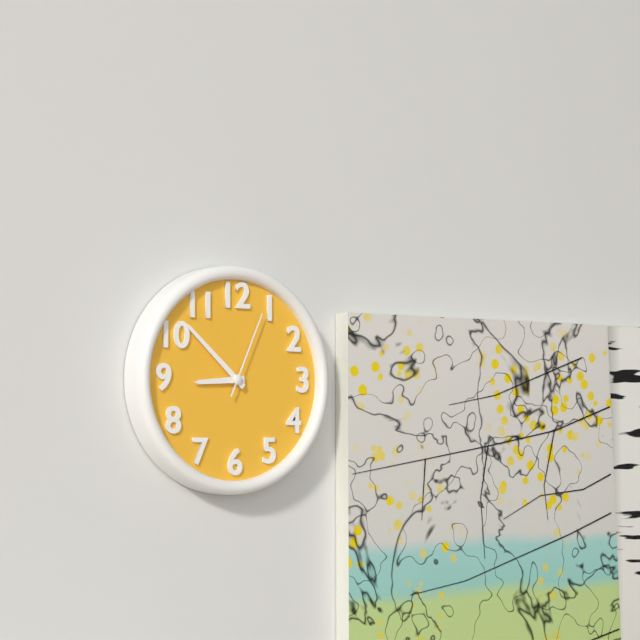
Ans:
8h52m04s
